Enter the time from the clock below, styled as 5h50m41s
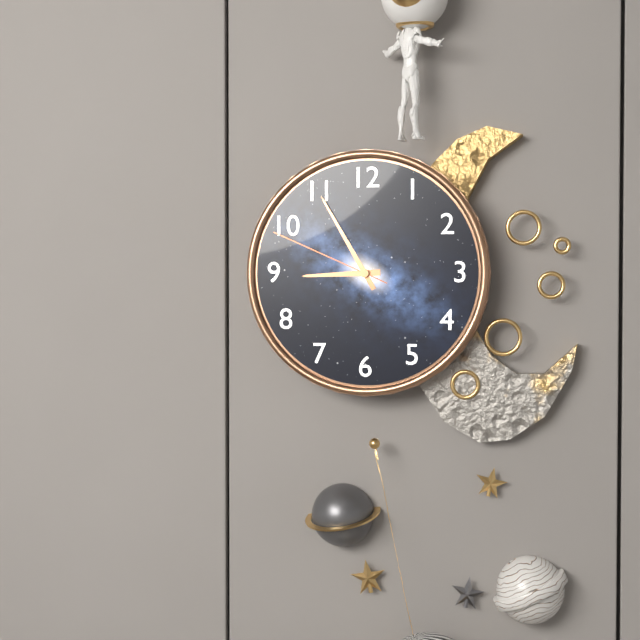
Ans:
8h55m49s
